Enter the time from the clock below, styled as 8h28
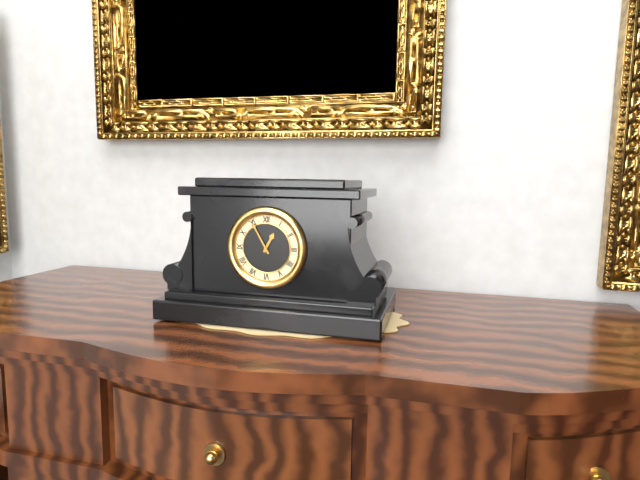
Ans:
12h55
